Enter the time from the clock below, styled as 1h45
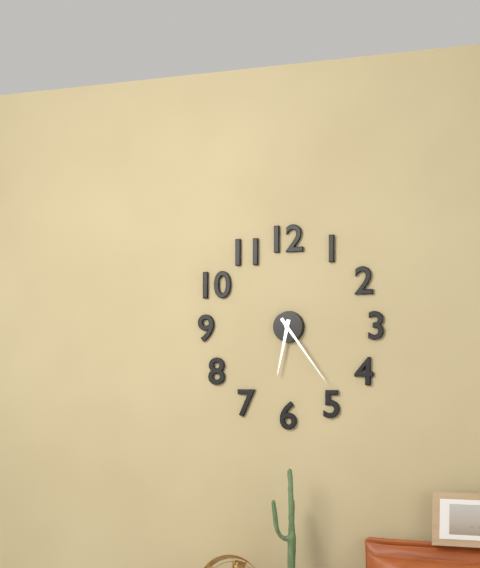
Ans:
6h24
